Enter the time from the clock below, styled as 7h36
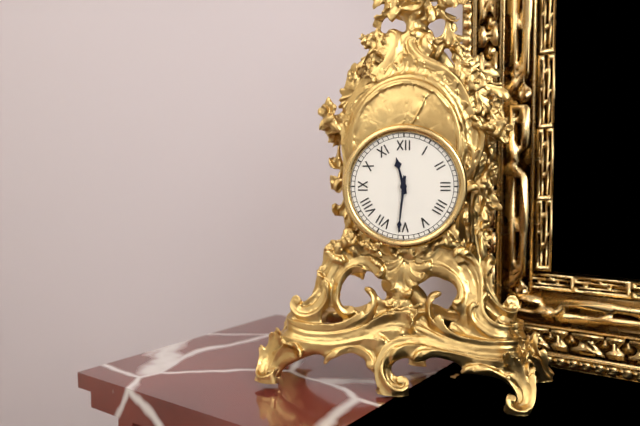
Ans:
11h31
